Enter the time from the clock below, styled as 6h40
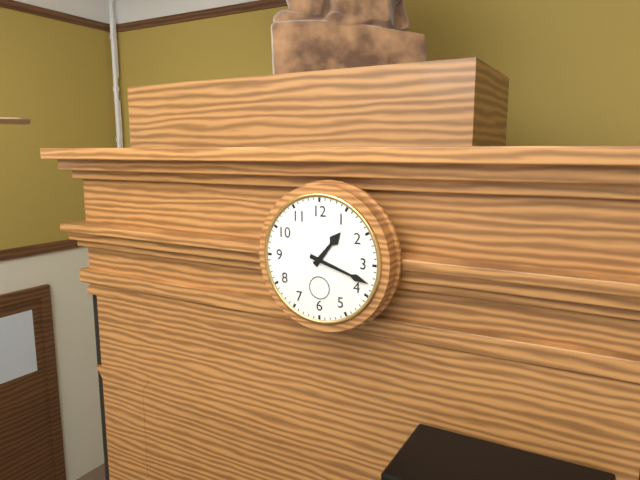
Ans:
1h18
